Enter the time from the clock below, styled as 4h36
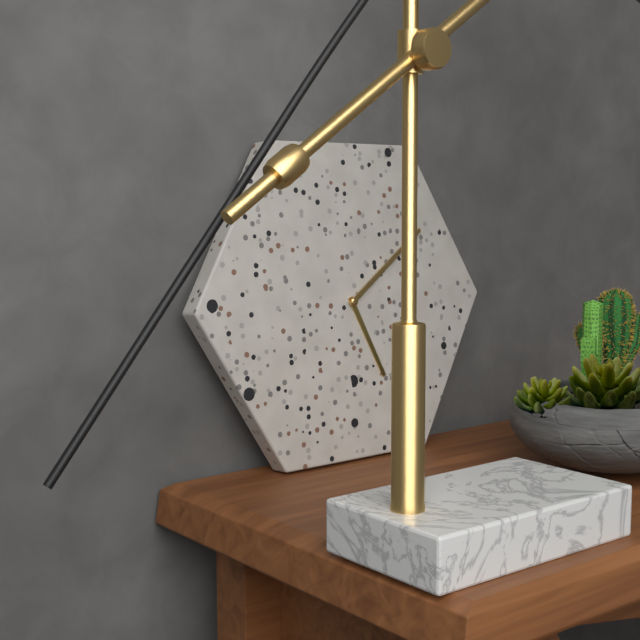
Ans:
5h09
